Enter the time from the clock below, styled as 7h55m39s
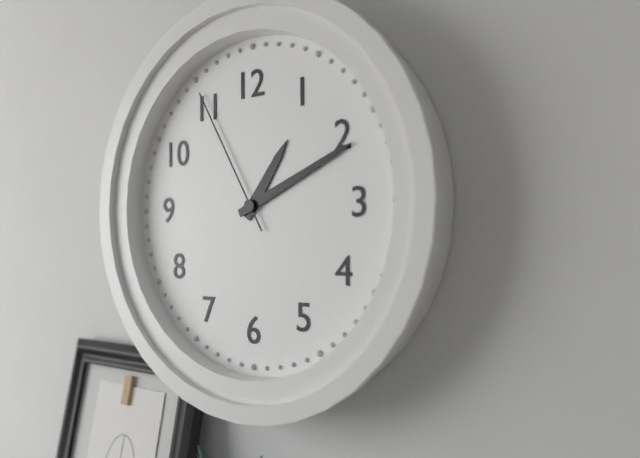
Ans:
1h11m55s
